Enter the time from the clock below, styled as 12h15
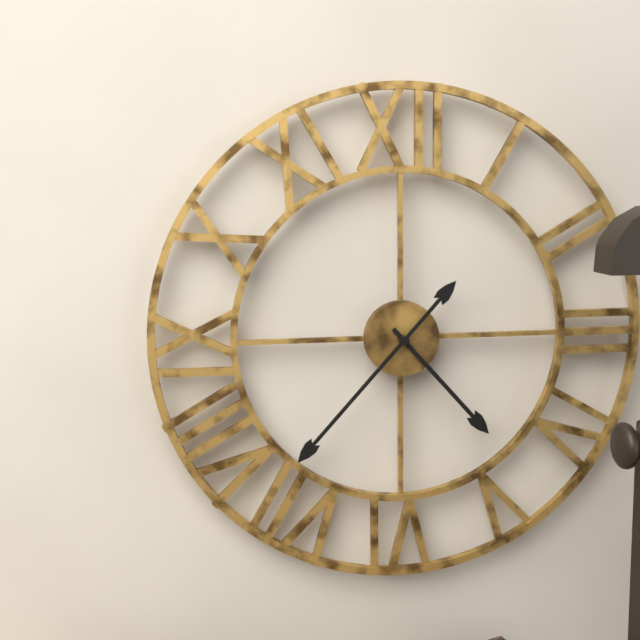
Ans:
4h37
